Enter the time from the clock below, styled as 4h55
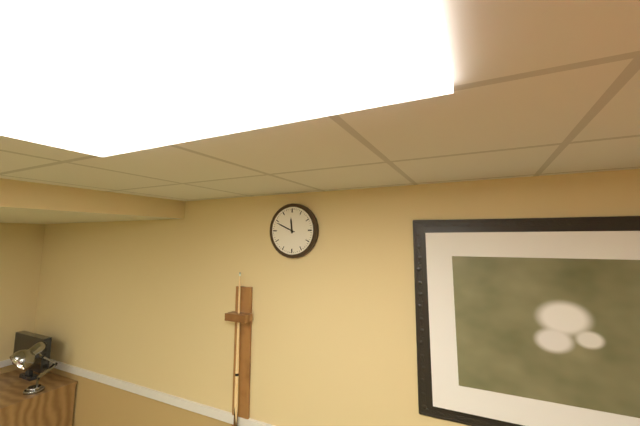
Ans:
11h49
